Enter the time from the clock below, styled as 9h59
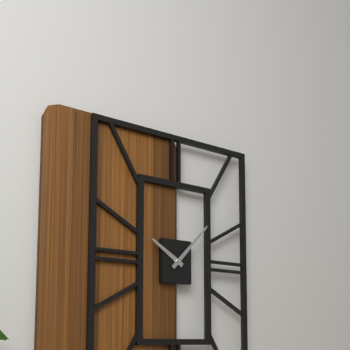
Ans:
10h07
